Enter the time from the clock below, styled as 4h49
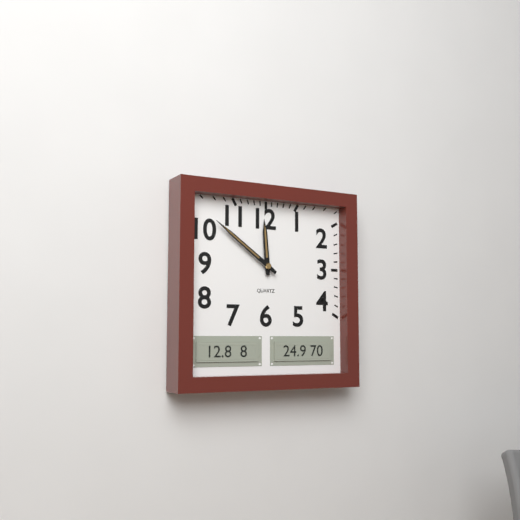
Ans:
11h51
